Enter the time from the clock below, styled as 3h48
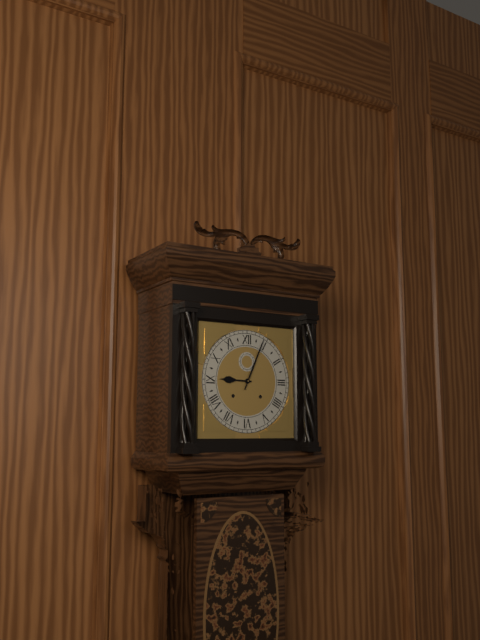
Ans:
9h04
